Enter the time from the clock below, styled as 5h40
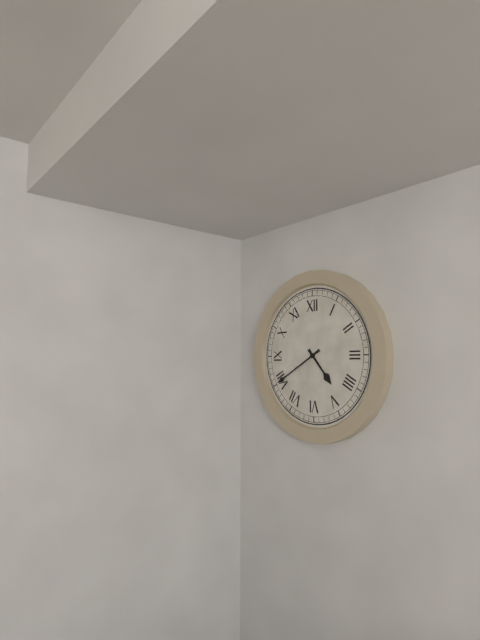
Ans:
4h40
